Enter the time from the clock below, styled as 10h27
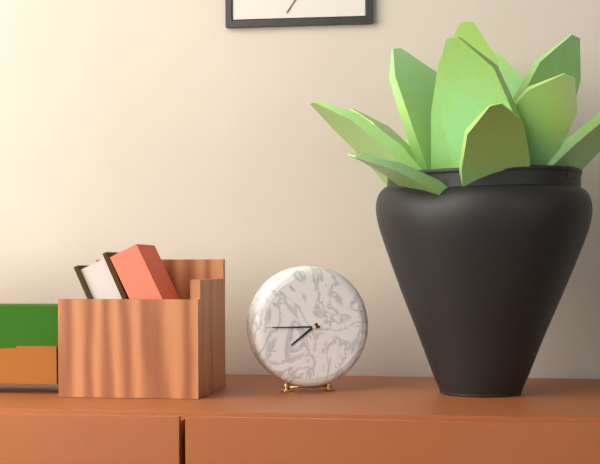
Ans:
7h45
